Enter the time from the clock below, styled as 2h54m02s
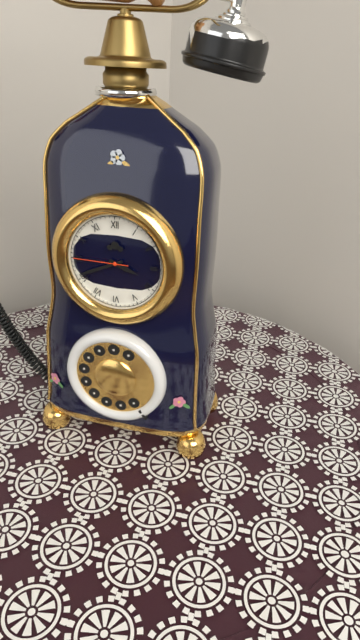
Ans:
3h41m45s
